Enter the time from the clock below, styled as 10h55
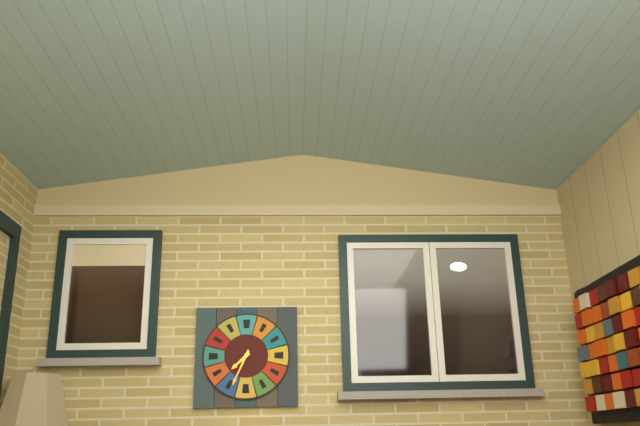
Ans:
7h34
